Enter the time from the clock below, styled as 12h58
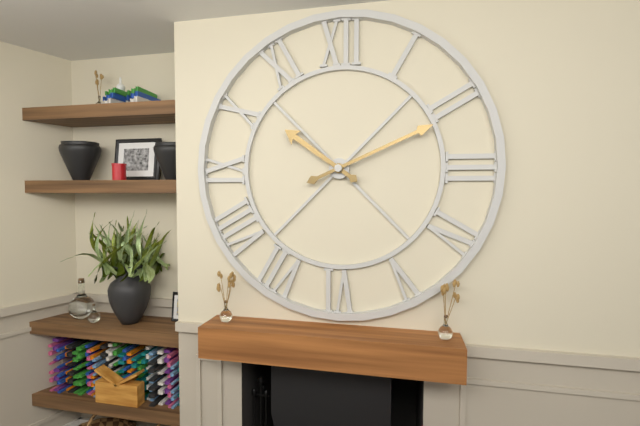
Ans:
10h11
